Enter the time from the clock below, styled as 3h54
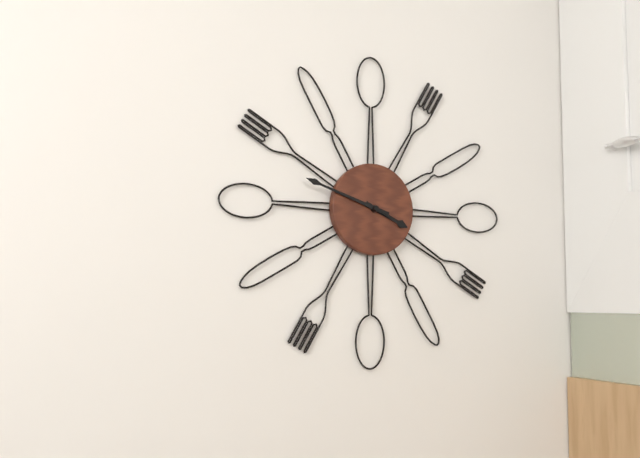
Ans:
3h48
